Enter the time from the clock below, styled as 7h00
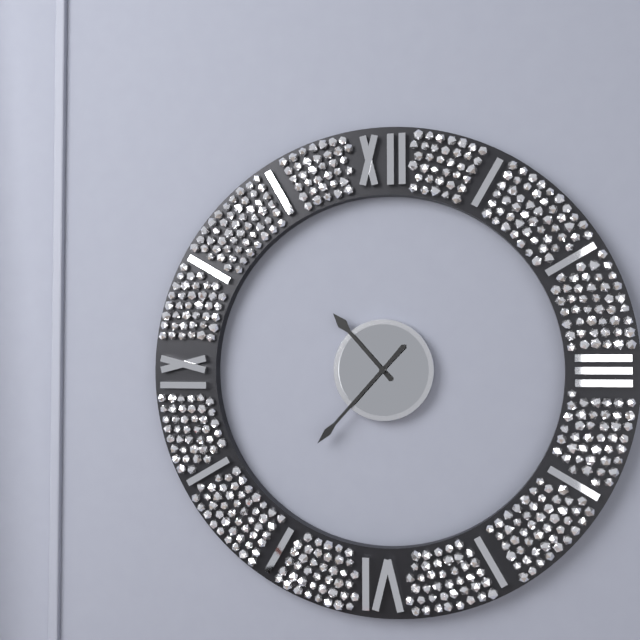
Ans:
10h37
